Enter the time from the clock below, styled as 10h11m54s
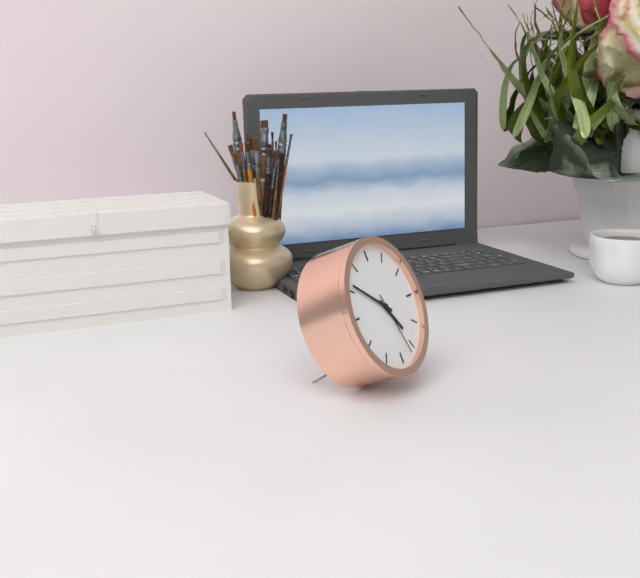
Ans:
4h51m27s
